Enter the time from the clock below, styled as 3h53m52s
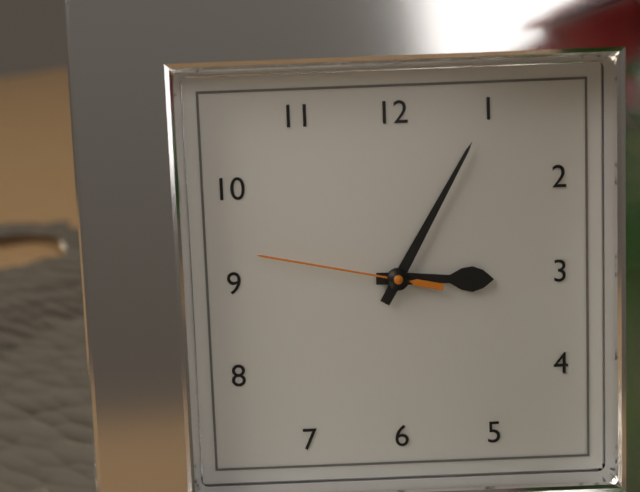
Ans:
3h05m47s
